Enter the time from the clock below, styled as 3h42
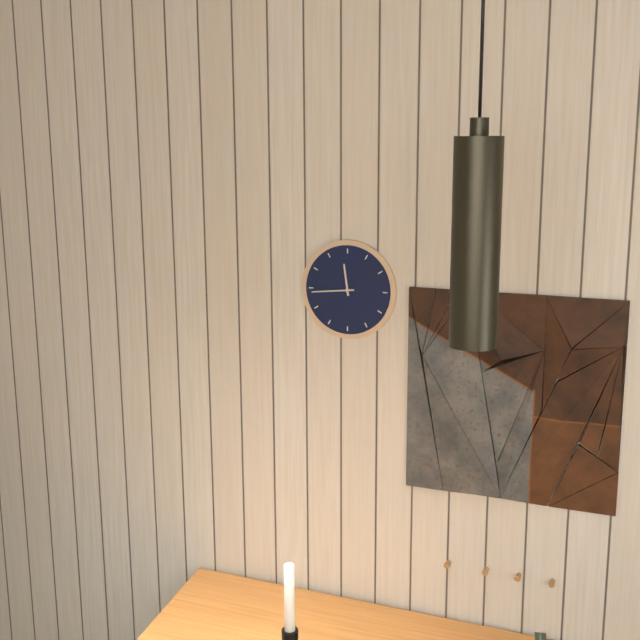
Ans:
11h44
